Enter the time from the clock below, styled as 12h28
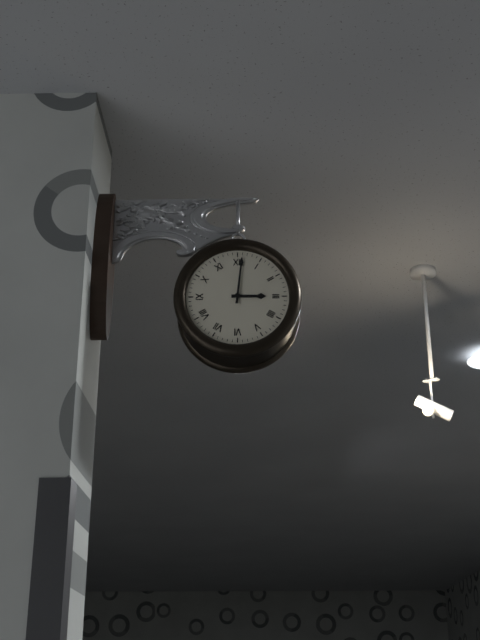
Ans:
3h01
